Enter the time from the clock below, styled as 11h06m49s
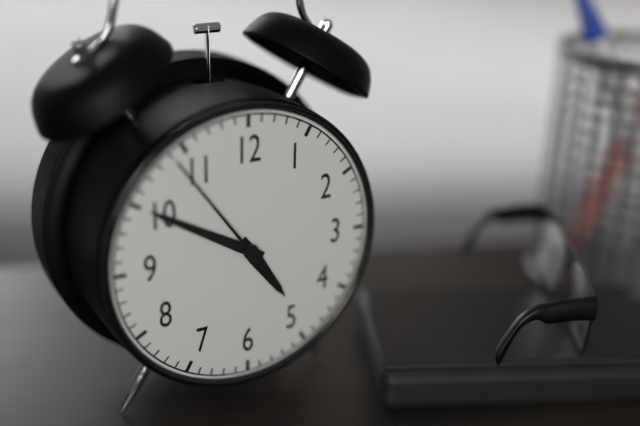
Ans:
4h50m54s
